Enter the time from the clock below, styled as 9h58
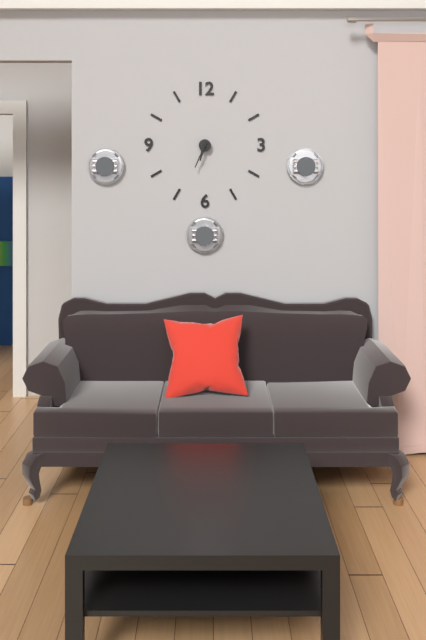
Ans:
6h34
